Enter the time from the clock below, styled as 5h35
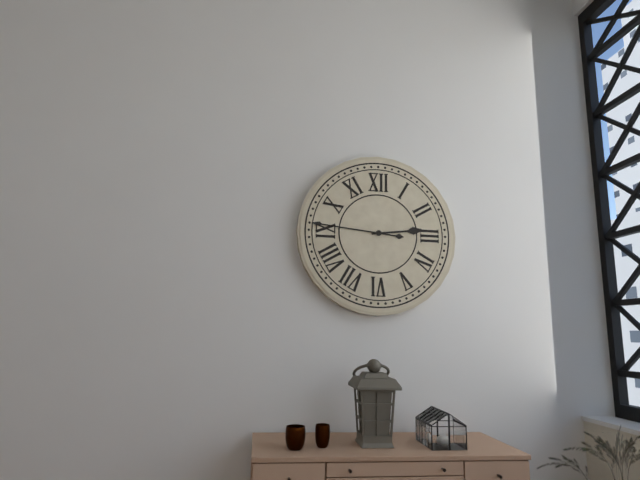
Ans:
2h46
